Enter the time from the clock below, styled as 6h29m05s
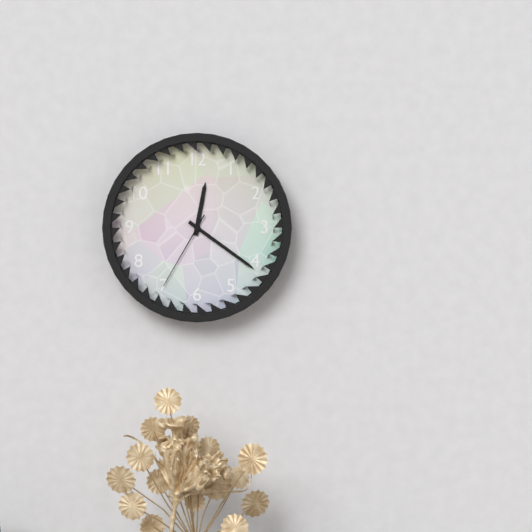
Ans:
12h21m35s
